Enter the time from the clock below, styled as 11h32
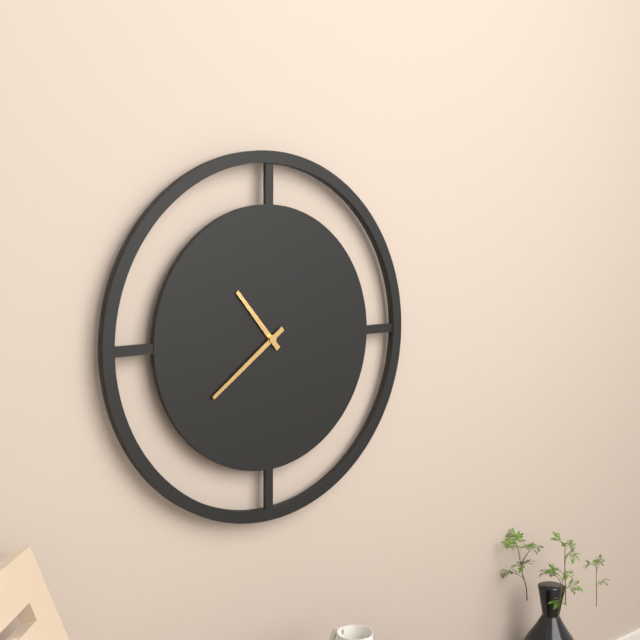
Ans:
10h39
